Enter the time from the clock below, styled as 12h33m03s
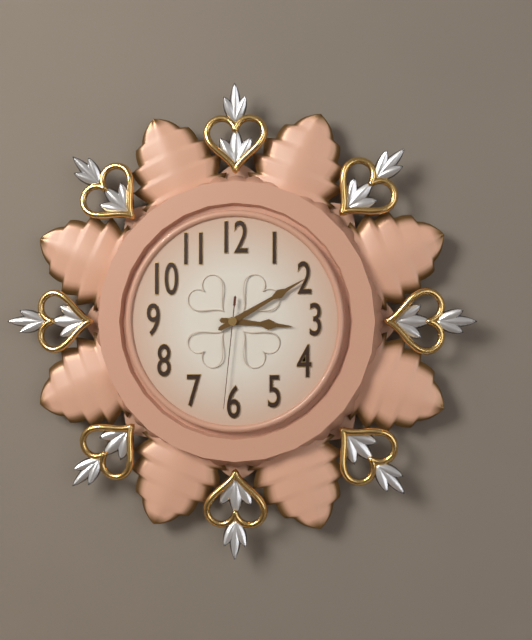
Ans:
3h10m31s
